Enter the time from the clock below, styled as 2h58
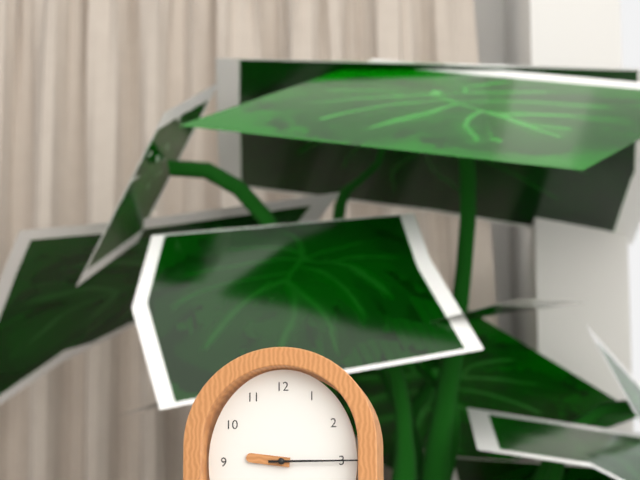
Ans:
9h15
